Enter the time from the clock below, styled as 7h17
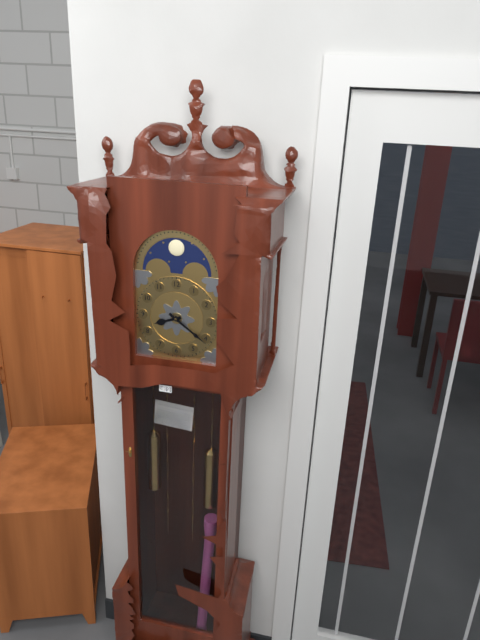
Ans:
8h21
